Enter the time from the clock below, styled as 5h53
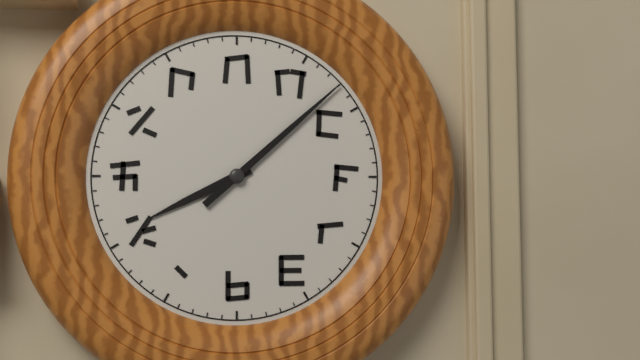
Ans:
8h08
